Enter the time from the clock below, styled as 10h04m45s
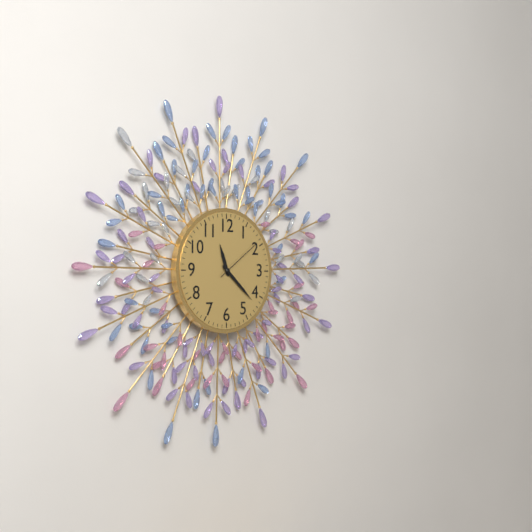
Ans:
11h22m09s
